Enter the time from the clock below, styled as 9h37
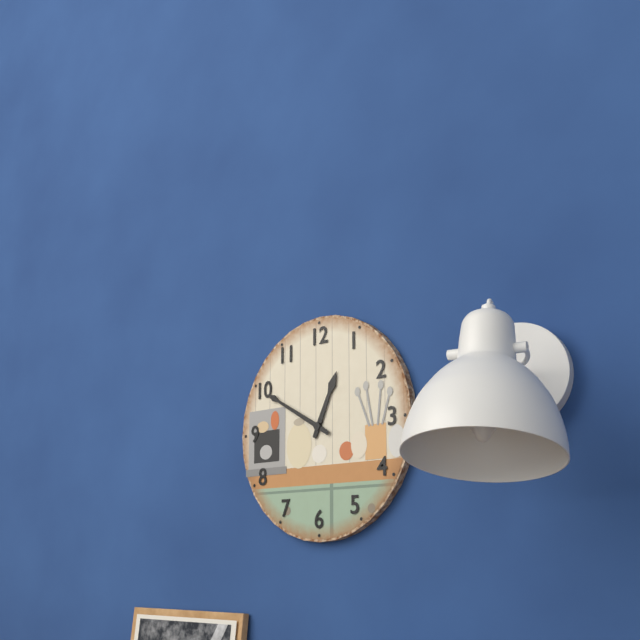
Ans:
12h50
